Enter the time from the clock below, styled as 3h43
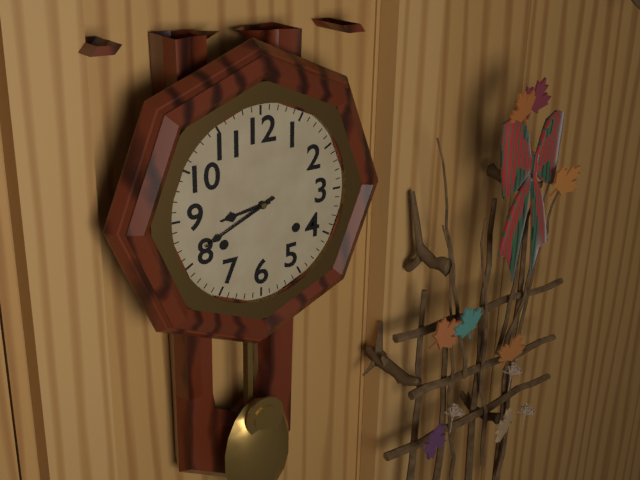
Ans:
8h41
